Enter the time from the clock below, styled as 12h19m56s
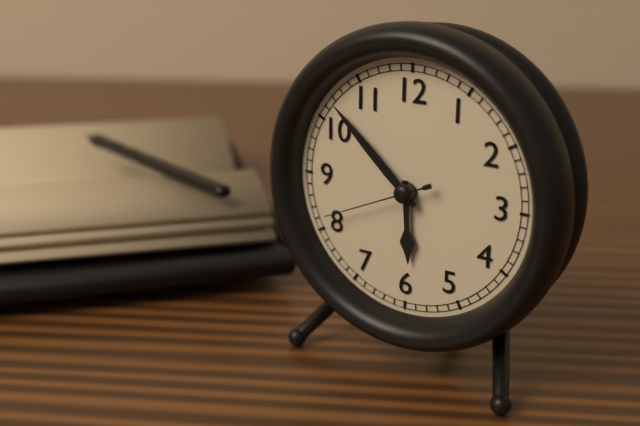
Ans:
5h52m41s
